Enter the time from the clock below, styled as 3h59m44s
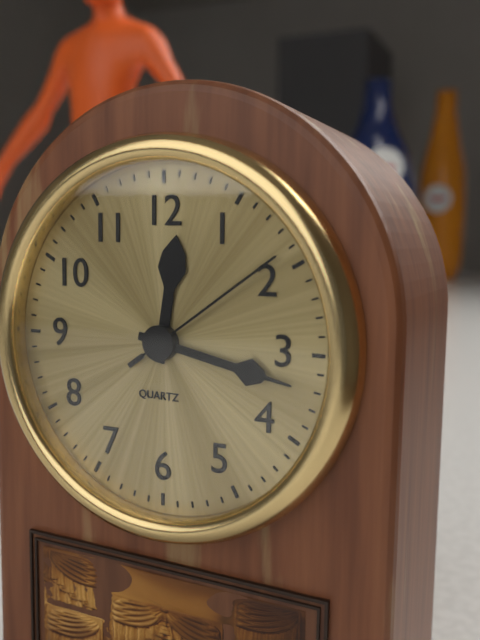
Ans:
12h17m09s
